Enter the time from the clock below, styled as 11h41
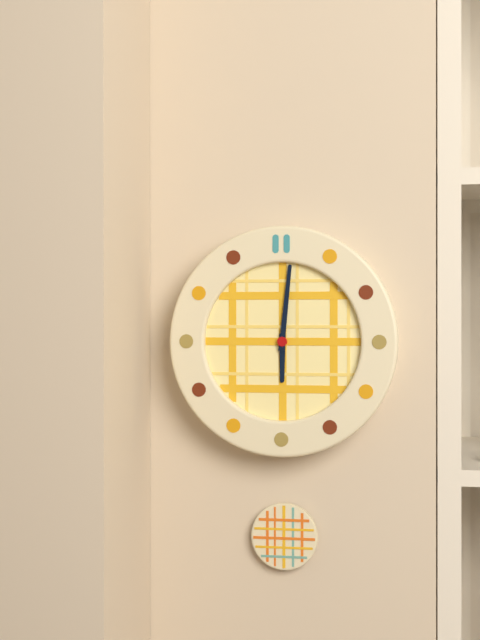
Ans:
6h01
